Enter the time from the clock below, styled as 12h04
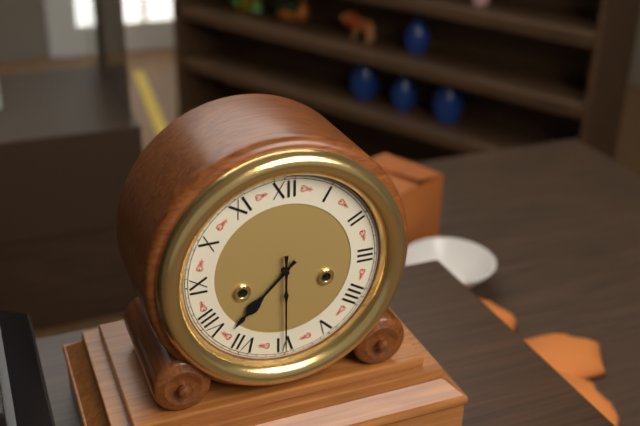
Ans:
7h30
